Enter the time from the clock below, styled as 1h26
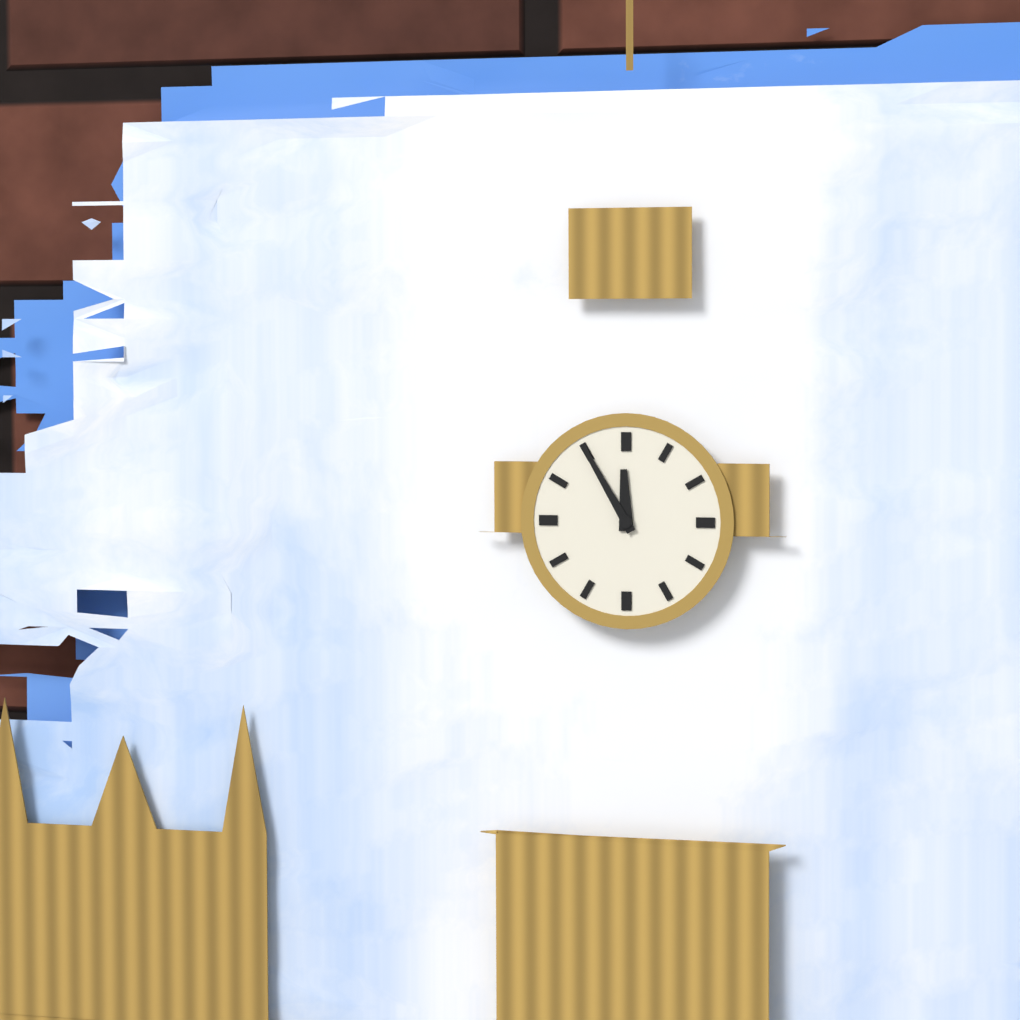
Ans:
11h55
